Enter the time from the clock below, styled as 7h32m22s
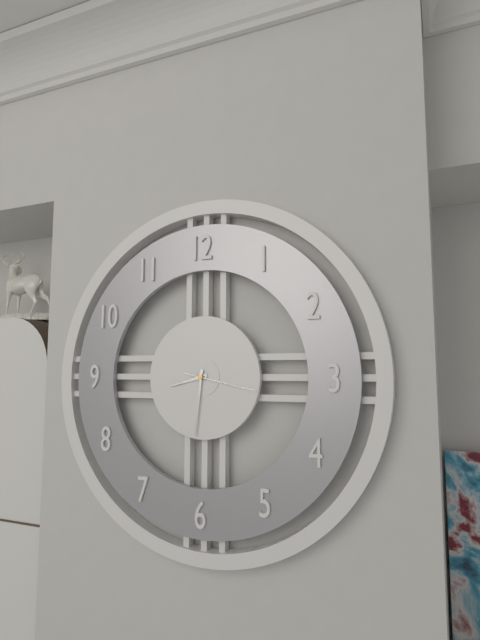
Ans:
8h31m17s
